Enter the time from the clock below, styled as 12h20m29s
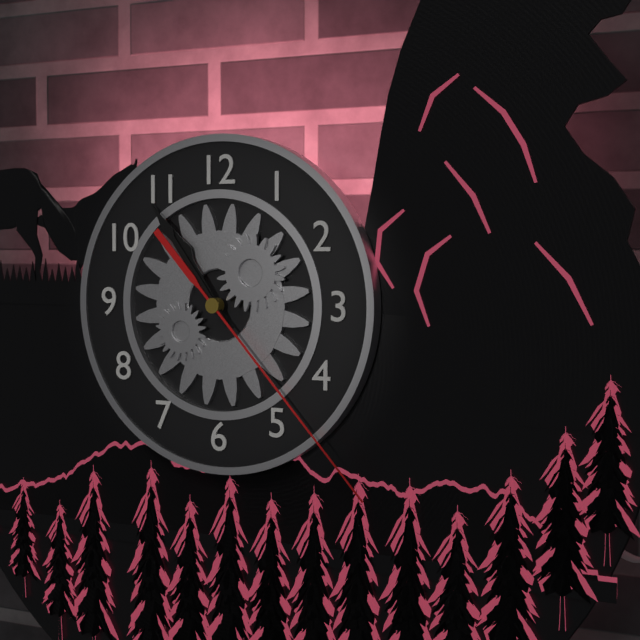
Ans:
10h54m23s
